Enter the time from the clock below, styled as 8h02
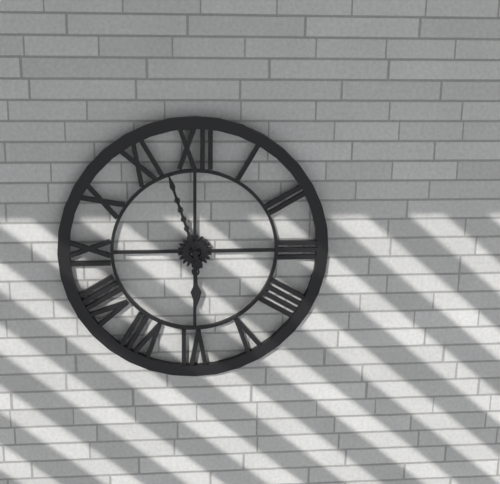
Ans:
5h57
